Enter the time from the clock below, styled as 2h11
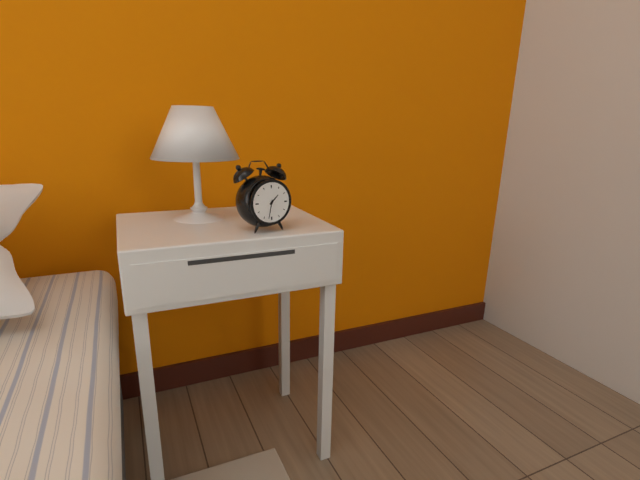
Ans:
1h32
